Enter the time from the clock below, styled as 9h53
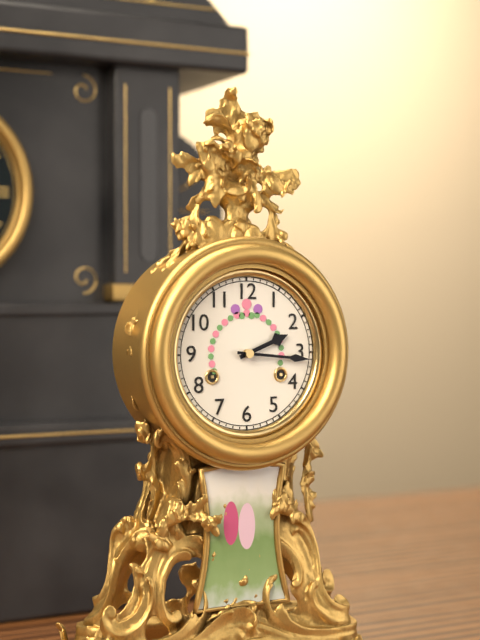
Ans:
2h16
